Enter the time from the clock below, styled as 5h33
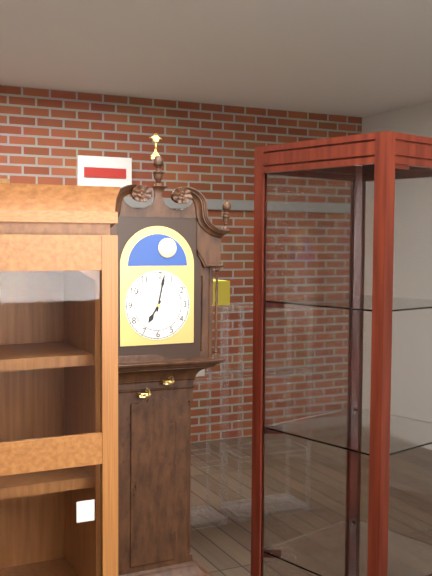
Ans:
7h02
